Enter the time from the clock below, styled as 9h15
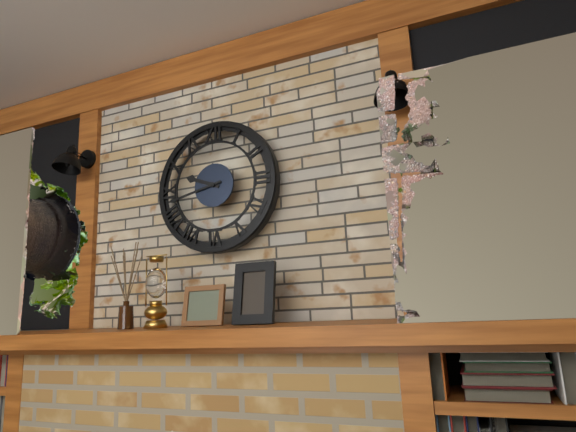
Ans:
9h43
